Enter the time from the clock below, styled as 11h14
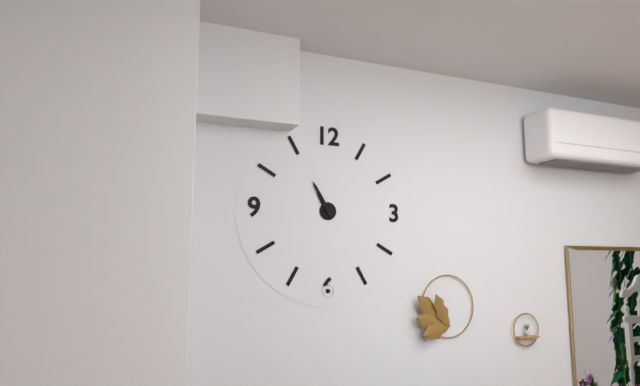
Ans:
10h55
